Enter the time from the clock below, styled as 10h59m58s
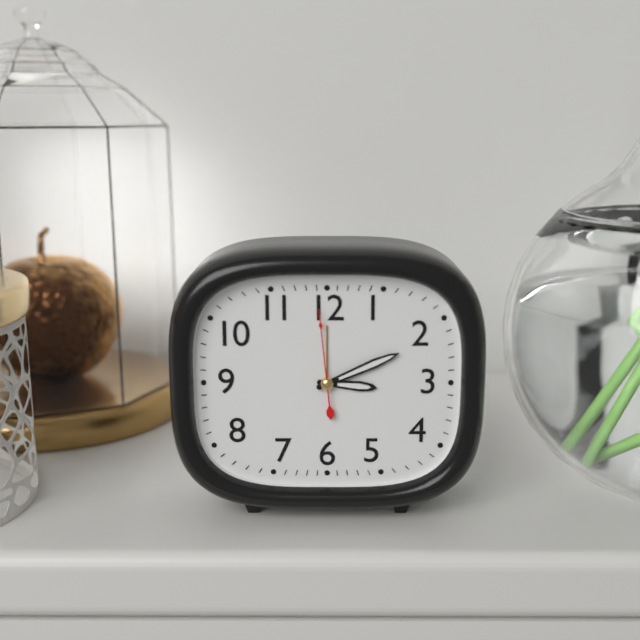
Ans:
3h11m59s
